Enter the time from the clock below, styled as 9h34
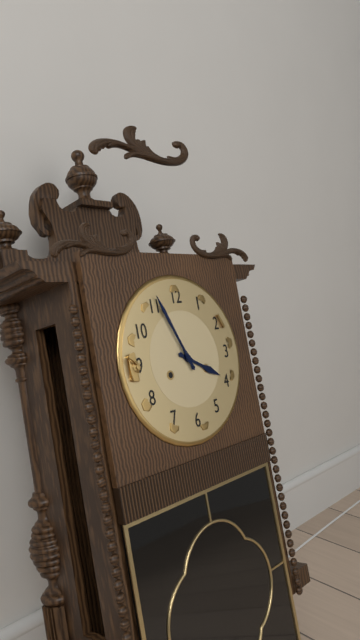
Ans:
3h56
